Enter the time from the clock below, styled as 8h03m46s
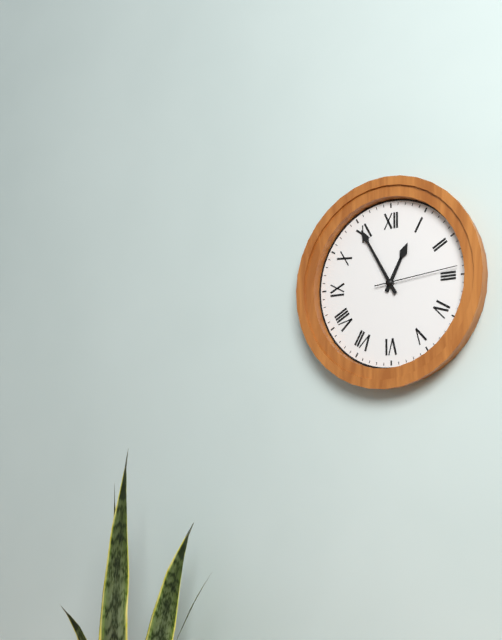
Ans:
12h55m14s
